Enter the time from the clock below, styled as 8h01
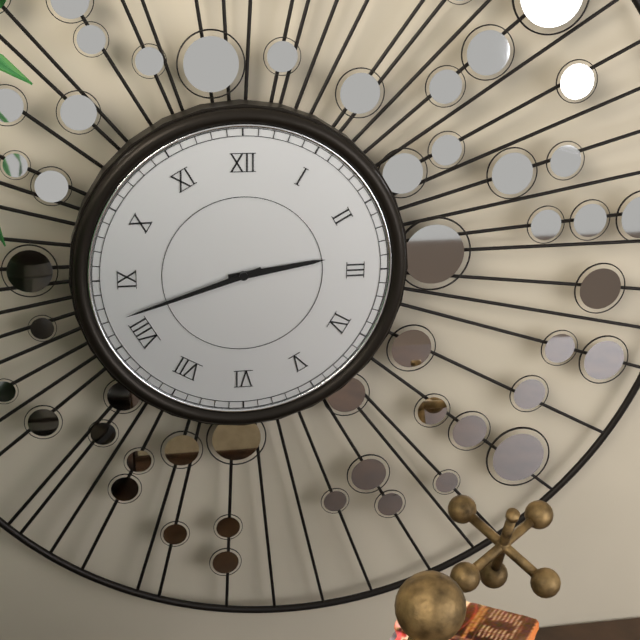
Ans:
2h42
